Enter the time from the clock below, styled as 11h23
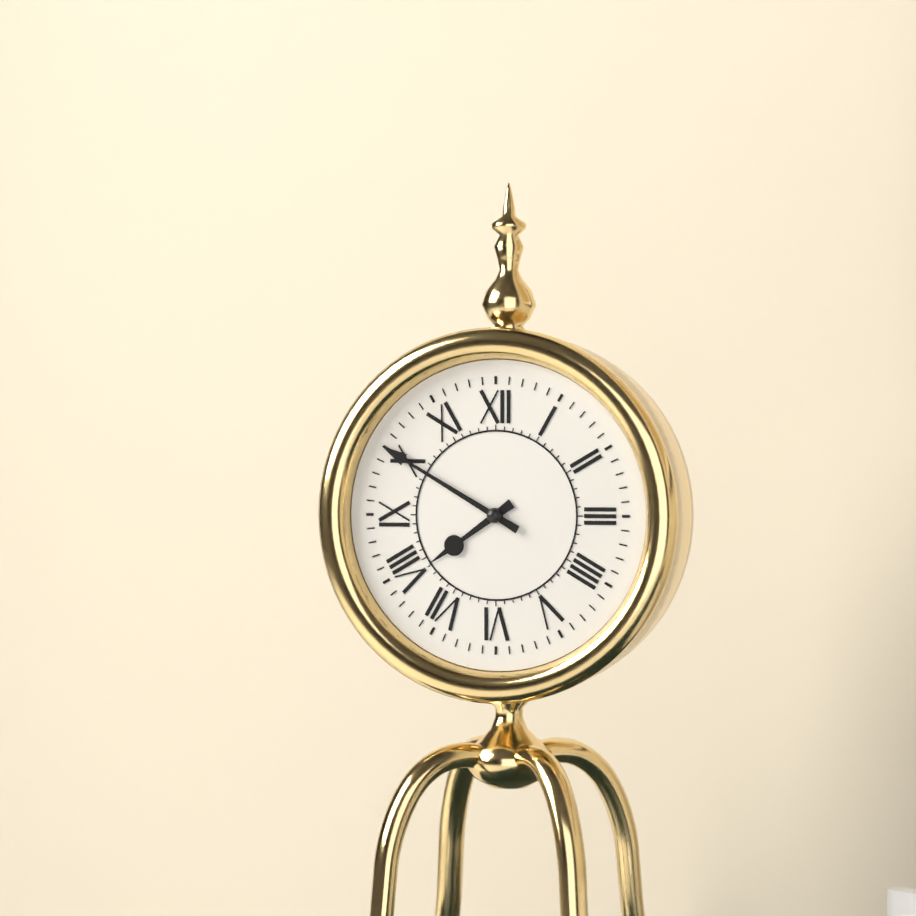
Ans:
7h50
